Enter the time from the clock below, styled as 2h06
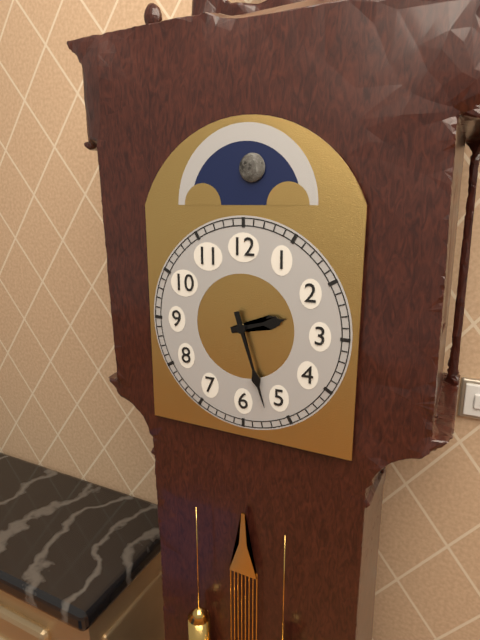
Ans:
2h27
